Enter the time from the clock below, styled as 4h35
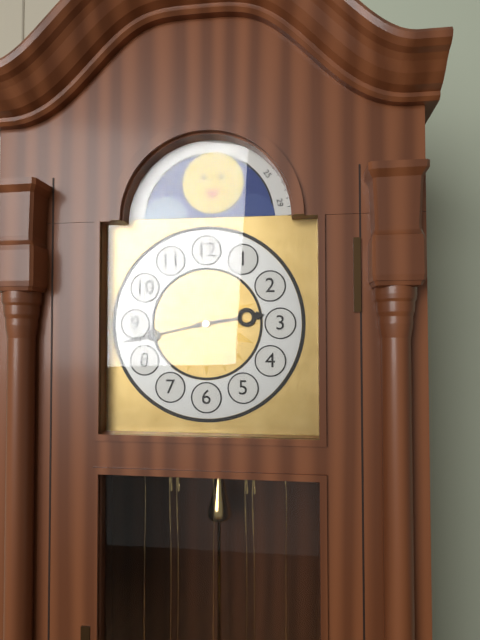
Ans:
2h43
